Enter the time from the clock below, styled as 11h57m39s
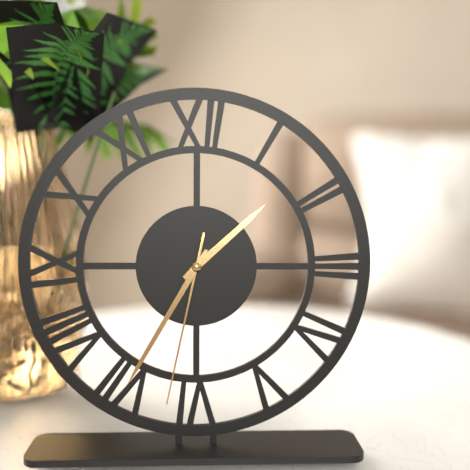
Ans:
1h35m32s
